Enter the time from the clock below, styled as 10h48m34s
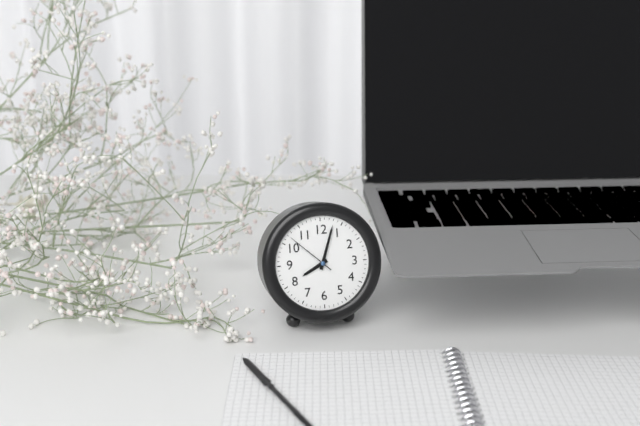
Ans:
8h03m52s
